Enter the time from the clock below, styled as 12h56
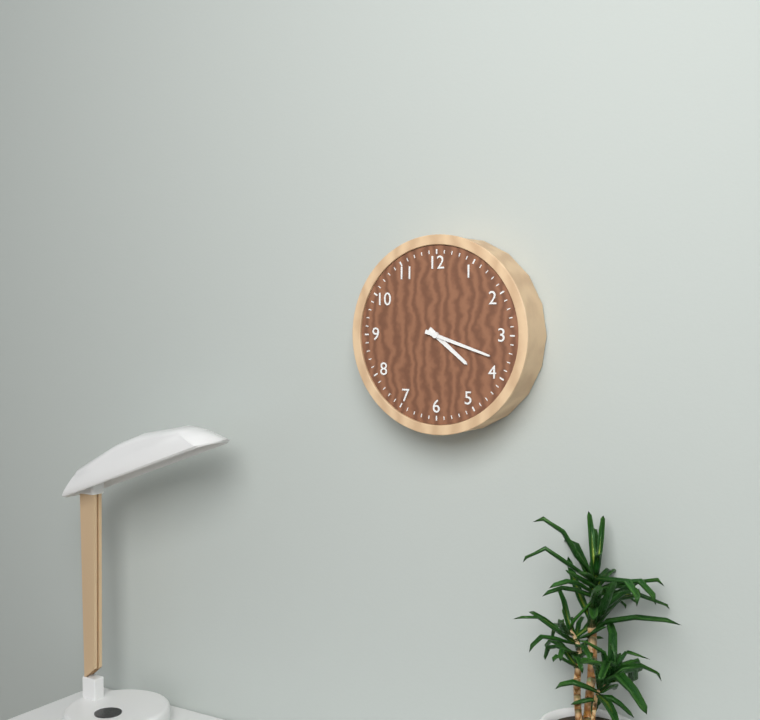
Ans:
4h18
